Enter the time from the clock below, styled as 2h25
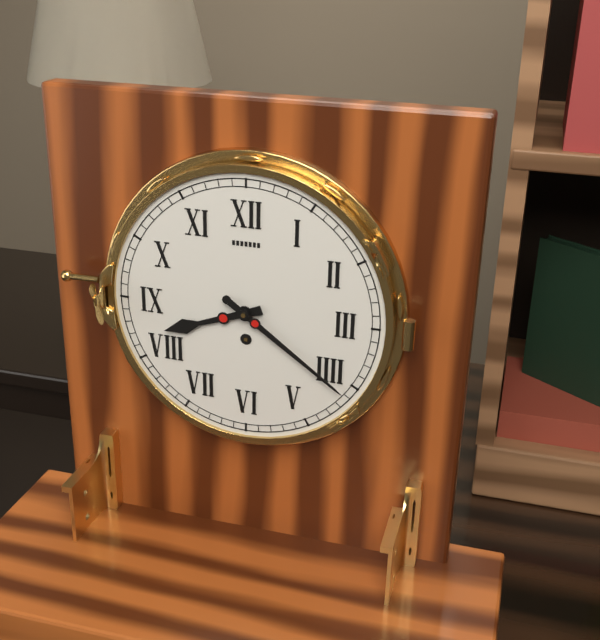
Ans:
8h21
